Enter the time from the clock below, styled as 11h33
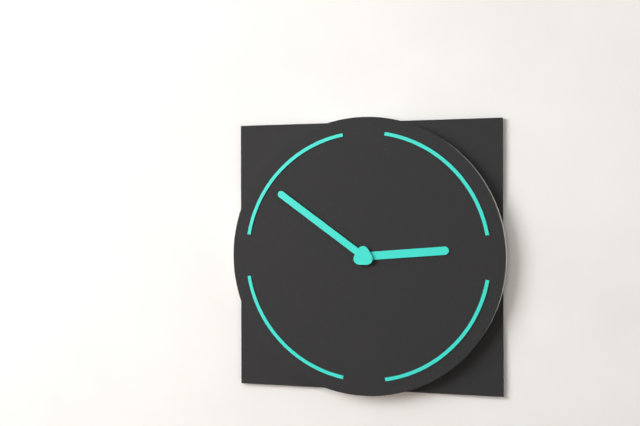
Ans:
2h51
